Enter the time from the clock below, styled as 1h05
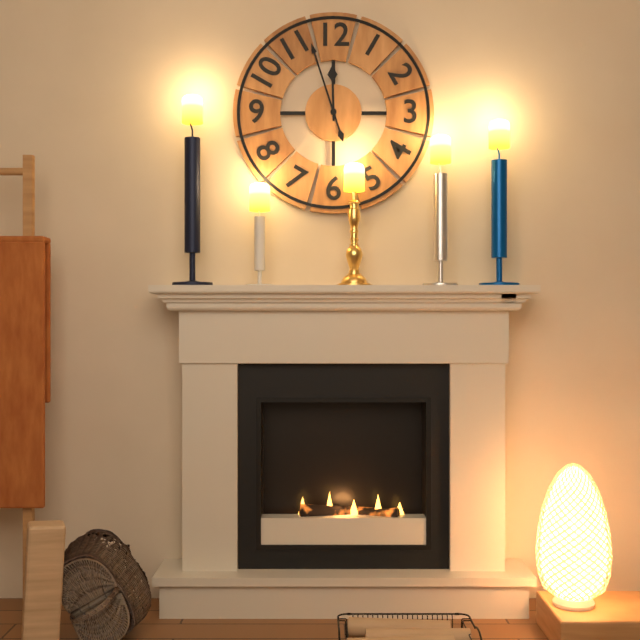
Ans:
11h57
